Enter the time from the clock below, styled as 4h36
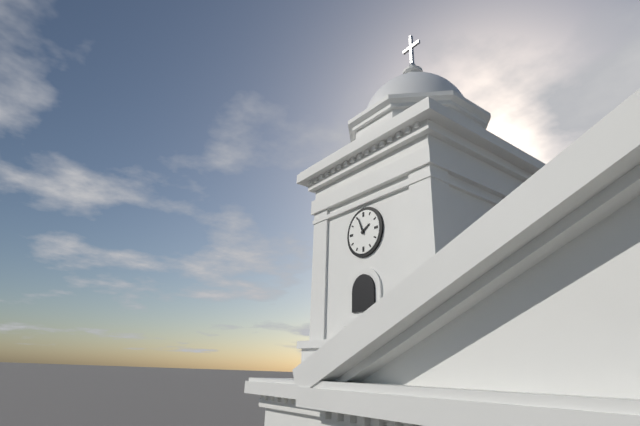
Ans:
1h56
